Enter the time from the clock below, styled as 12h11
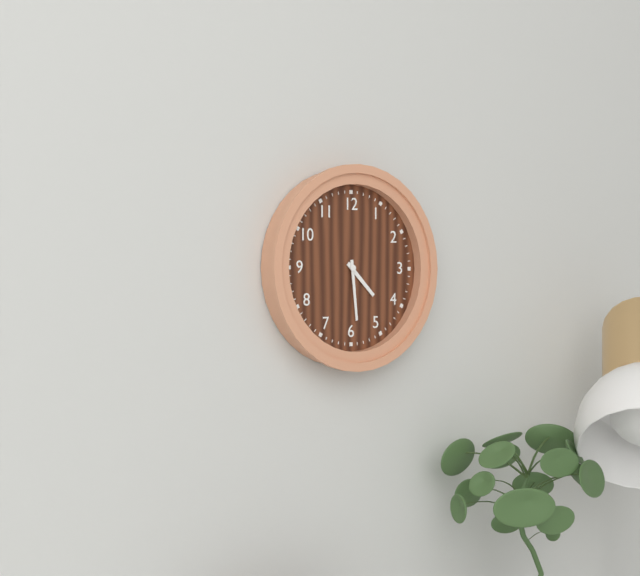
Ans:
4h29
